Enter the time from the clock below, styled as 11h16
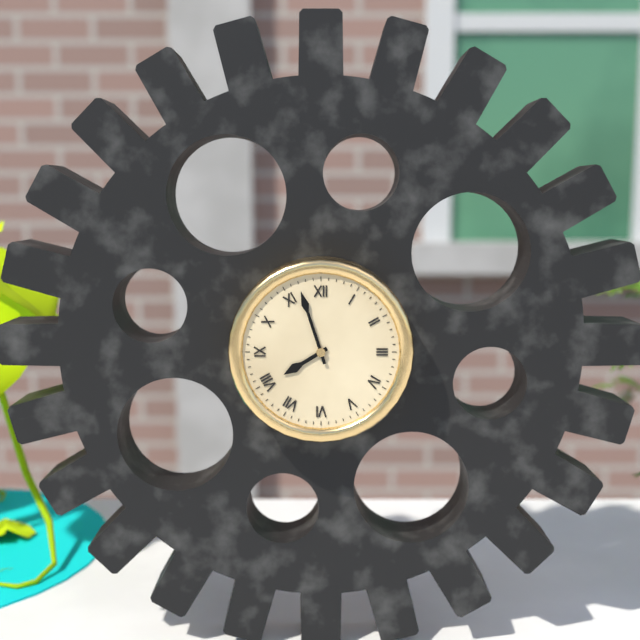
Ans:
7h57
